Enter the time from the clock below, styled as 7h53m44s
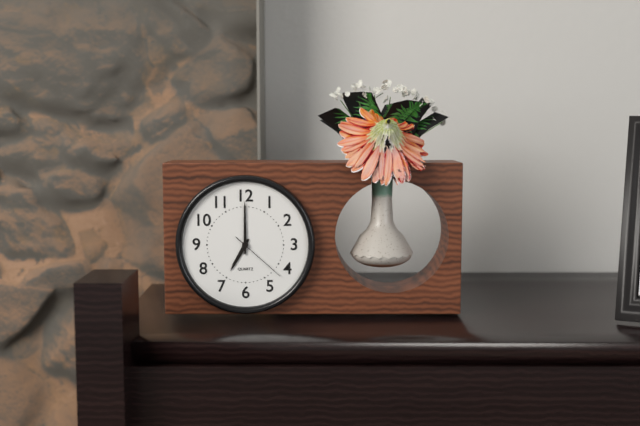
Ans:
7h00m22s
